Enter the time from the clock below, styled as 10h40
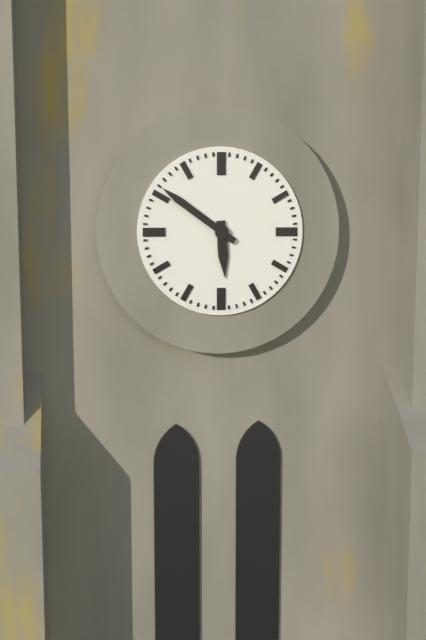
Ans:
5h51
